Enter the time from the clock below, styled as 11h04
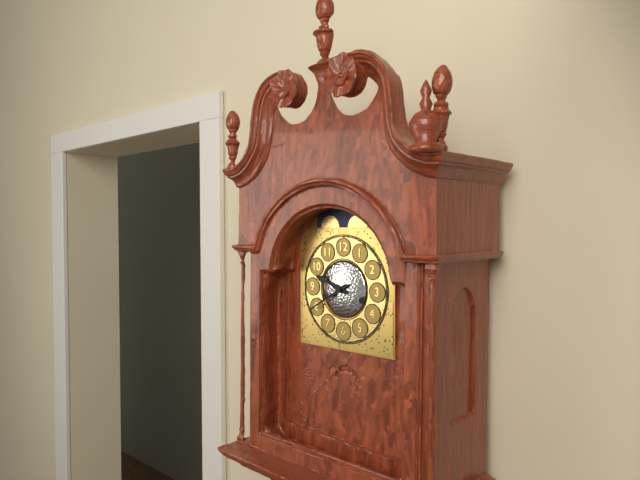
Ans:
9h40
